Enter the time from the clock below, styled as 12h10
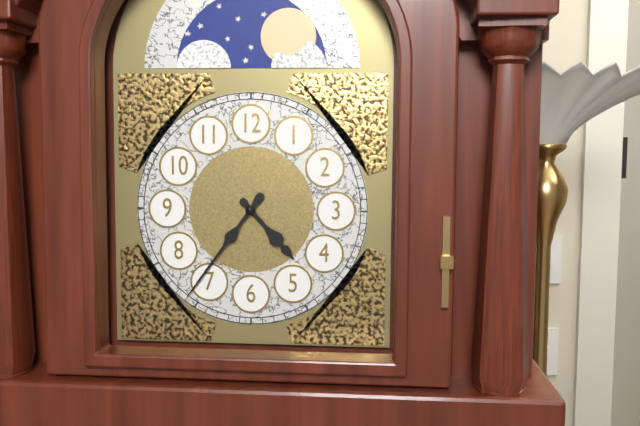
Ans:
4h36
